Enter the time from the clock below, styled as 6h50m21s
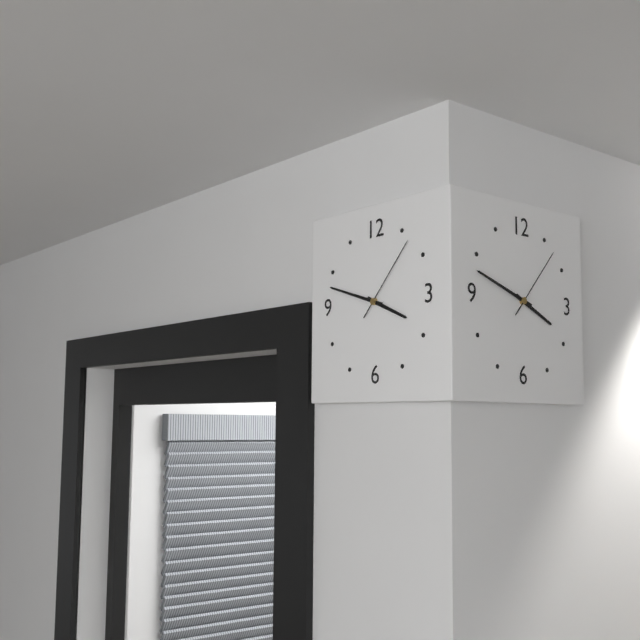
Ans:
3h48m07s
